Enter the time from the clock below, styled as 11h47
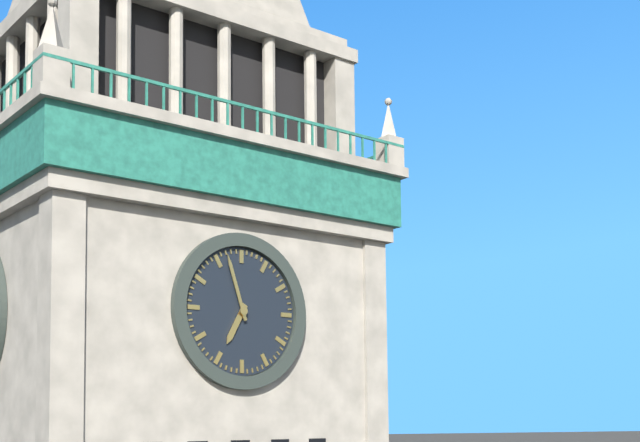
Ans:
6h57
